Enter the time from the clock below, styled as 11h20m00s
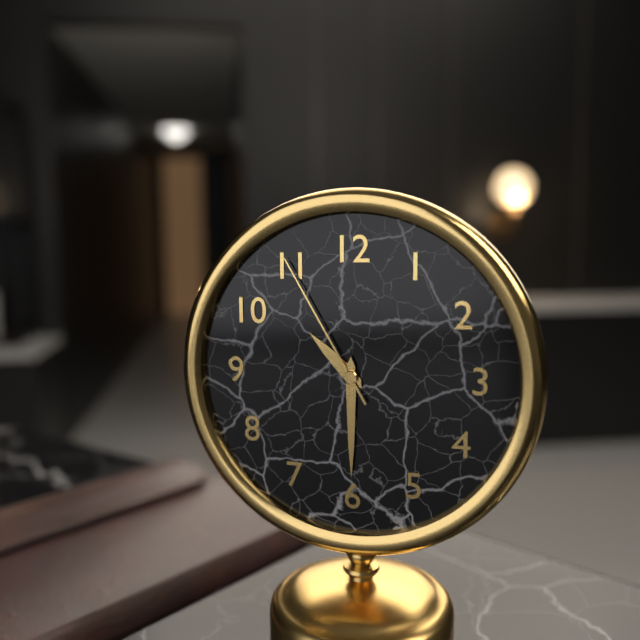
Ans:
10h30m55s
